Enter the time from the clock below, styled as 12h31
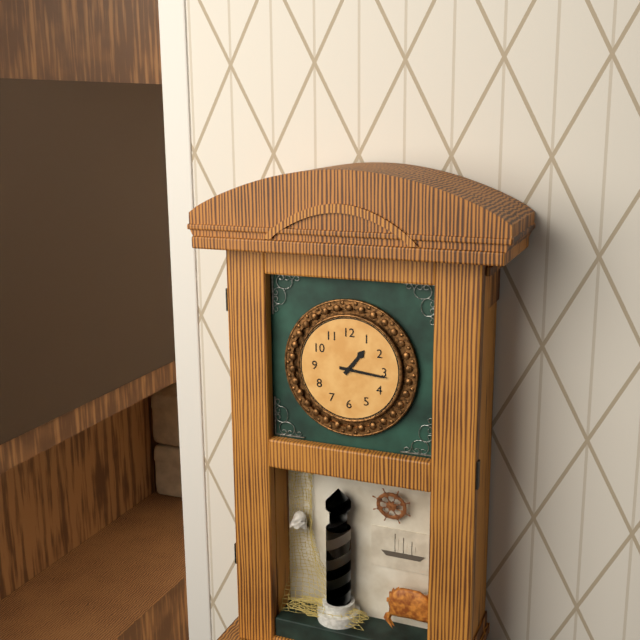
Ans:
1h16
